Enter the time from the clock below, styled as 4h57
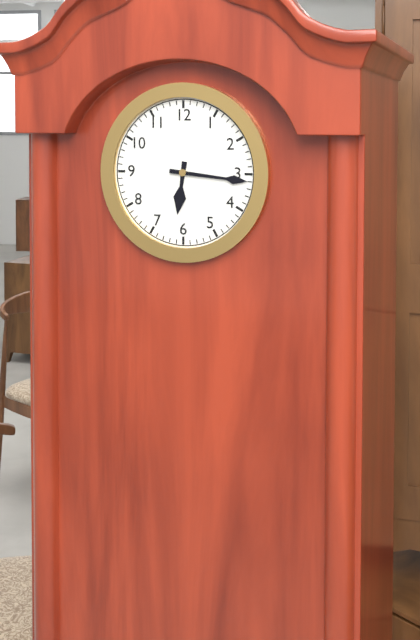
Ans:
6h16
